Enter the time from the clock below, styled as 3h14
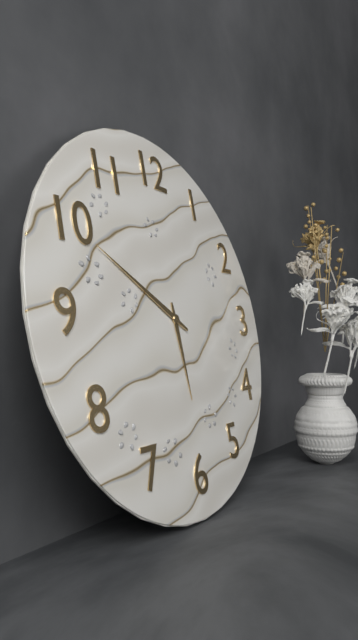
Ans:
5h50
